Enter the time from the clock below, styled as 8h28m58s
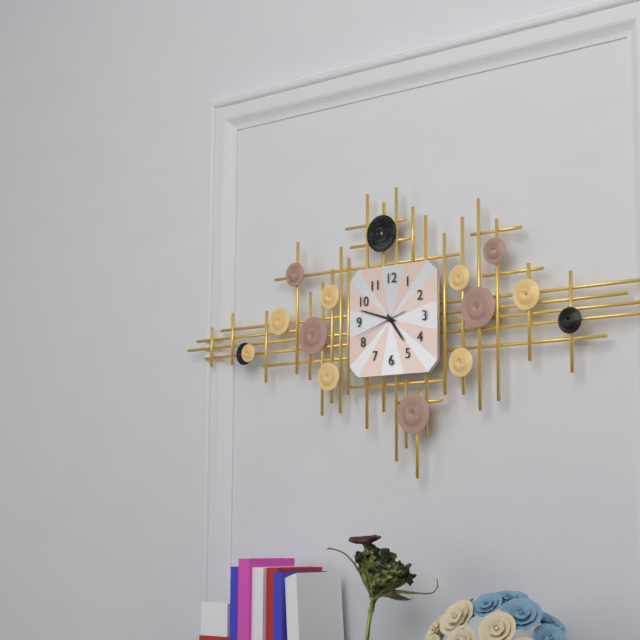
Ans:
4h48m42s
